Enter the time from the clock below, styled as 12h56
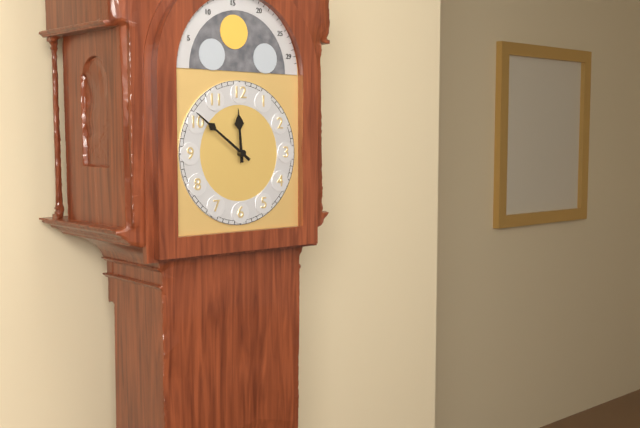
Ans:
11h51
